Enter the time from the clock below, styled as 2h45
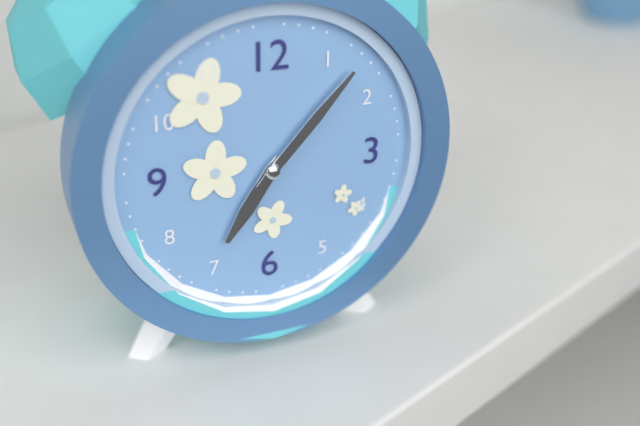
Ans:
7h07
